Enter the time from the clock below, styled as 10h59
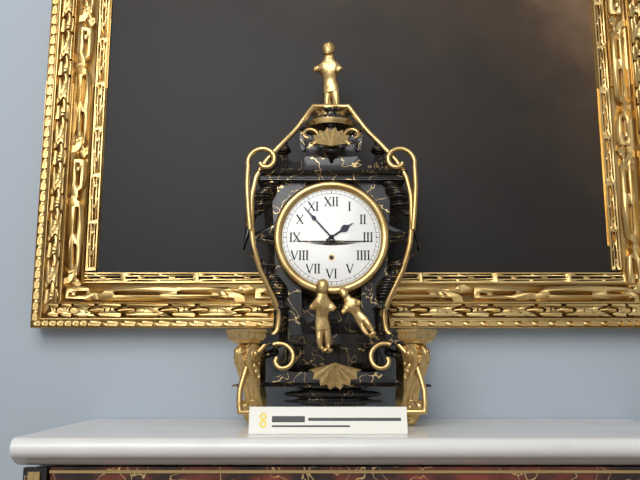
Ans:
1h53
